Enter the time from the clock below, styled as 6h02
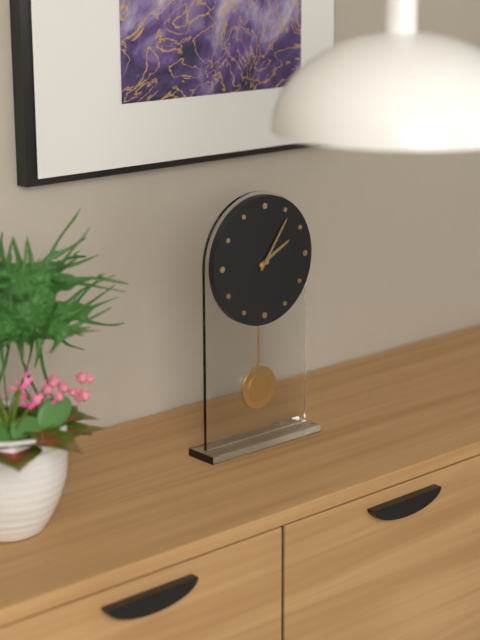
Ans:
2h06
